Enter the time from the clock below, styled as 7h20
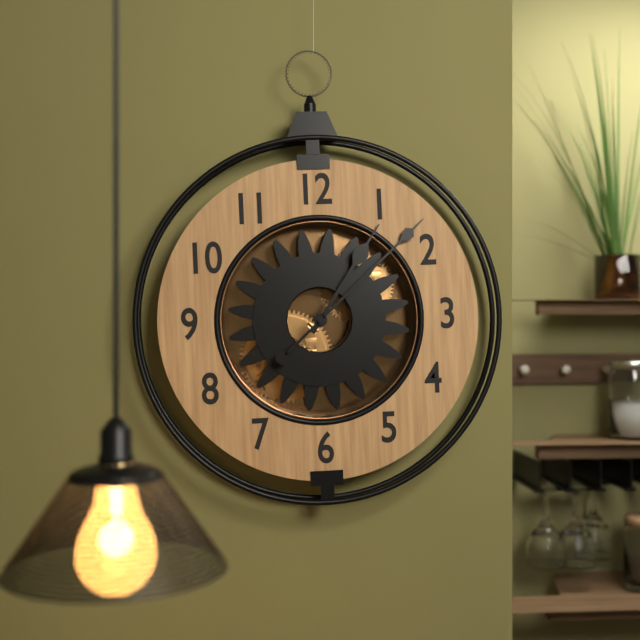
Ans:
1h08
